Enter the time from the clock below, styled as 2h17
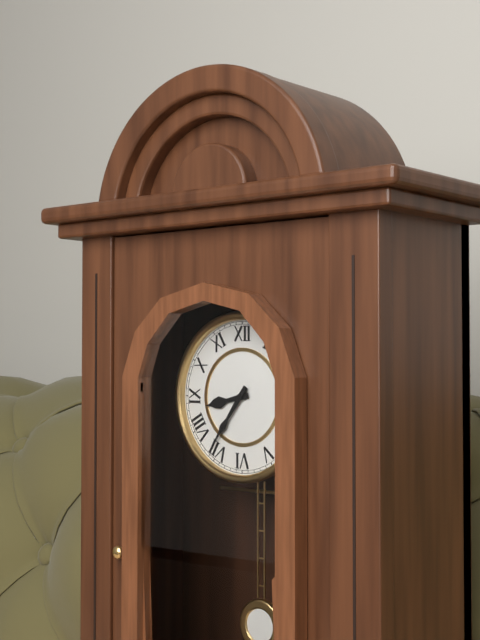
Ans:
8h36
